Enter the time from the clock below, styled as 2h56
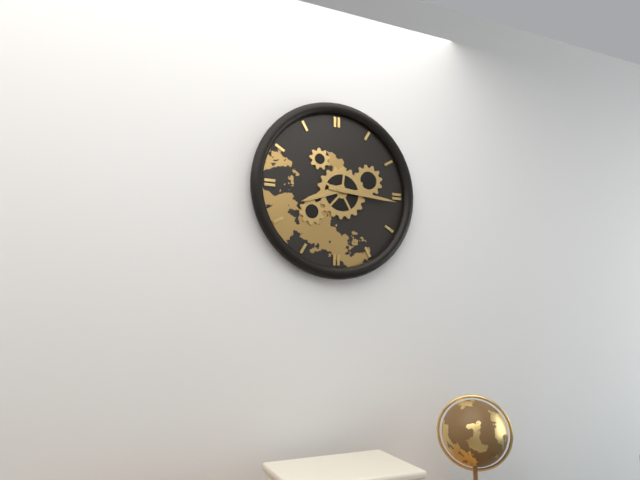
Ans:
8h16
